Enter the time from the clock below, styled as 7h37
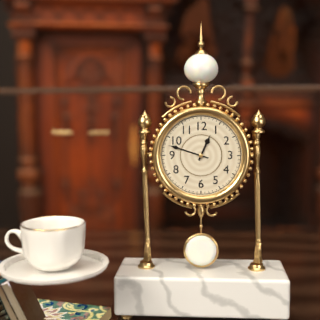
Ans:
12h48
